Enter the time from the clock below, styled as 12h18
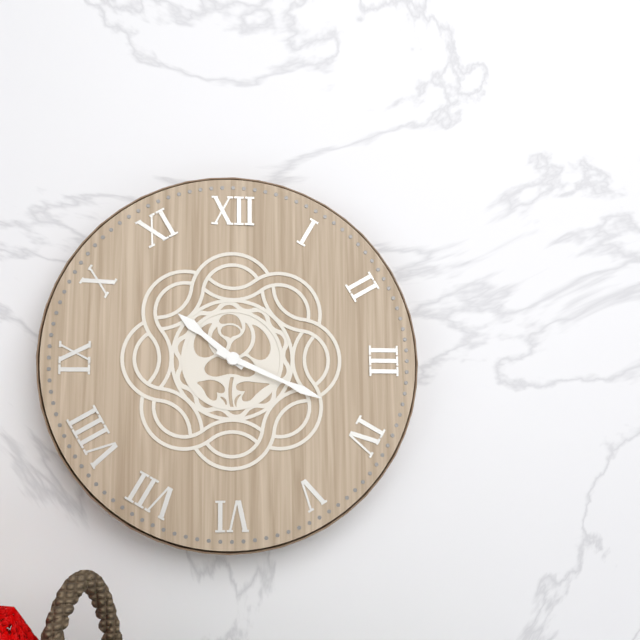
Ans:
10h19
